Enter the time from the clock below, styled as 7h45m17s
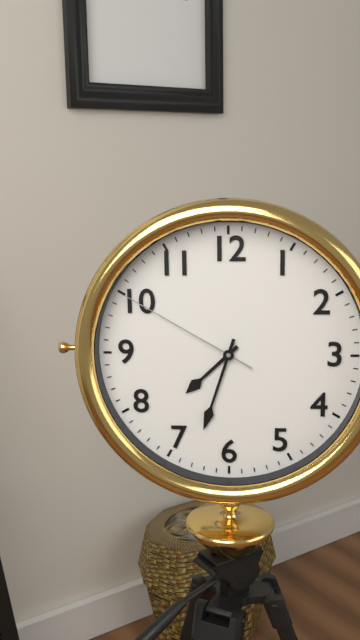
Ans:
7h33m50s
